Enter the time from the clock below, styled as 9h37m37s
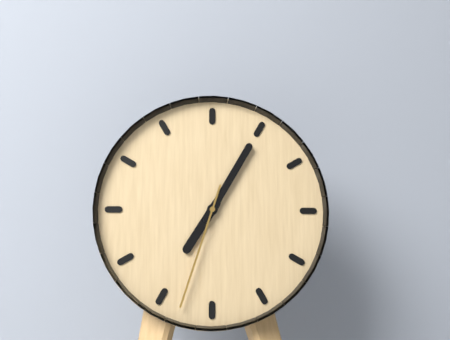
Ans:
7h05m33s
